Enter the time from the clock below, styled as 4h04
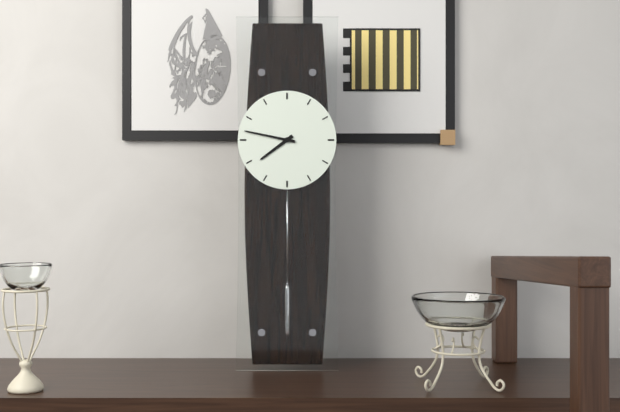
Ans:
7h47
